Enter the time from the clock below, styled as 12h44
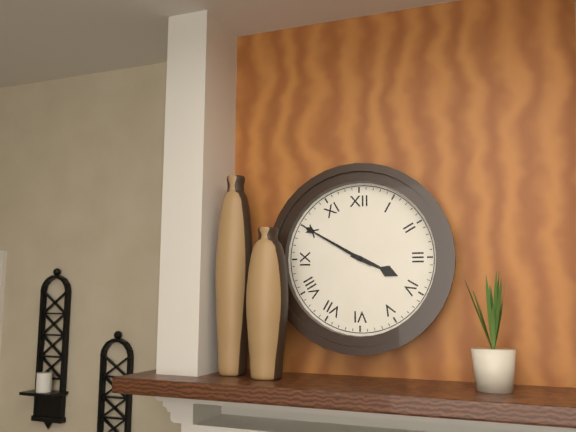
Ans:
3h50
